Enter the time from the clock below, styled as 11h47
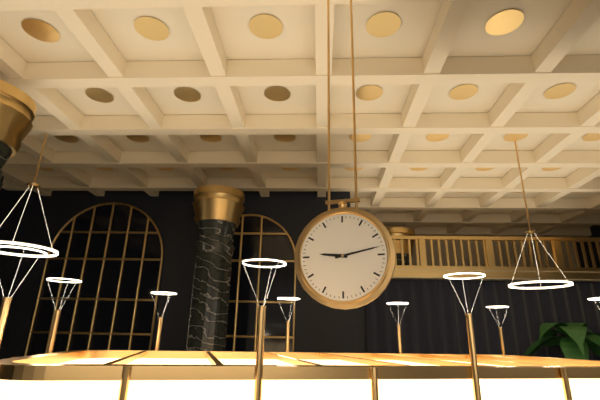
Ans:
9h13
